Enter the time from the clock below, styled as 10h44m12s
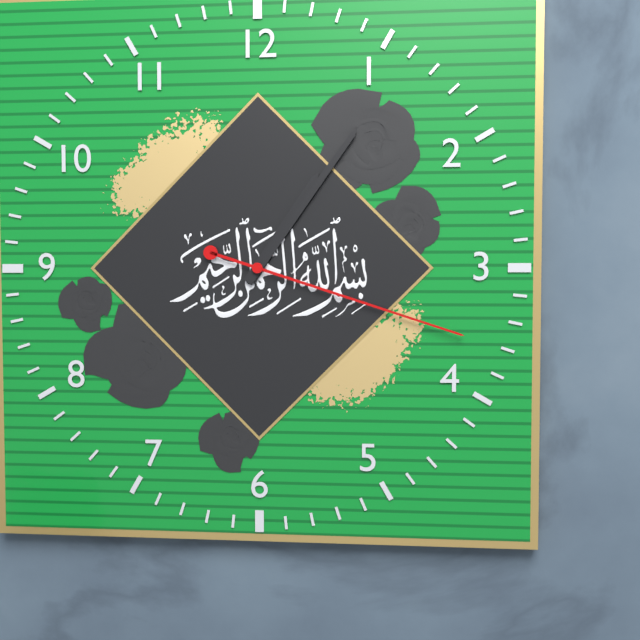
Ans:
1h06m18s
